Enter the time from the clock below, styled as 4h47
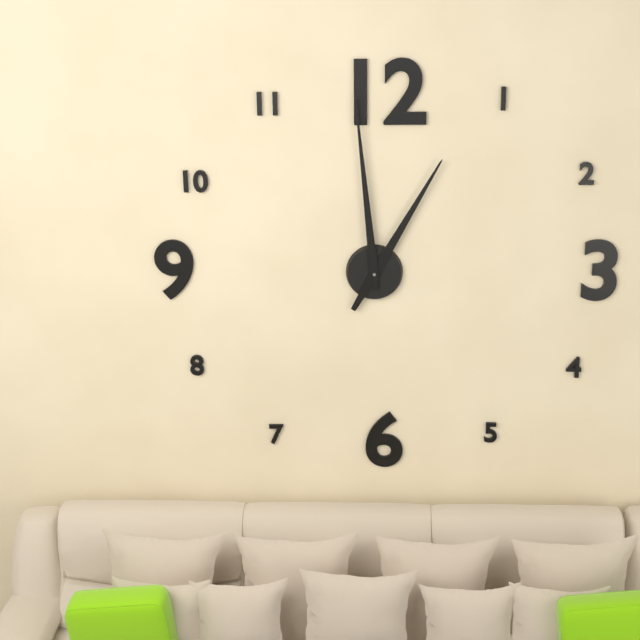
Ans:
12h59
